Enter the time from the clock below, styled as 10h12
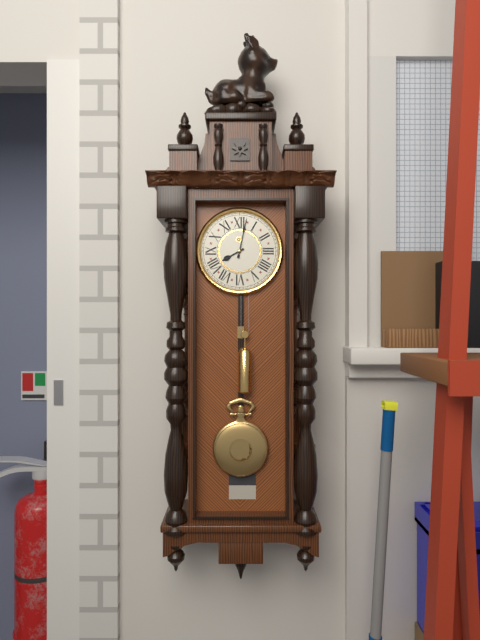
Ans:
8h02
